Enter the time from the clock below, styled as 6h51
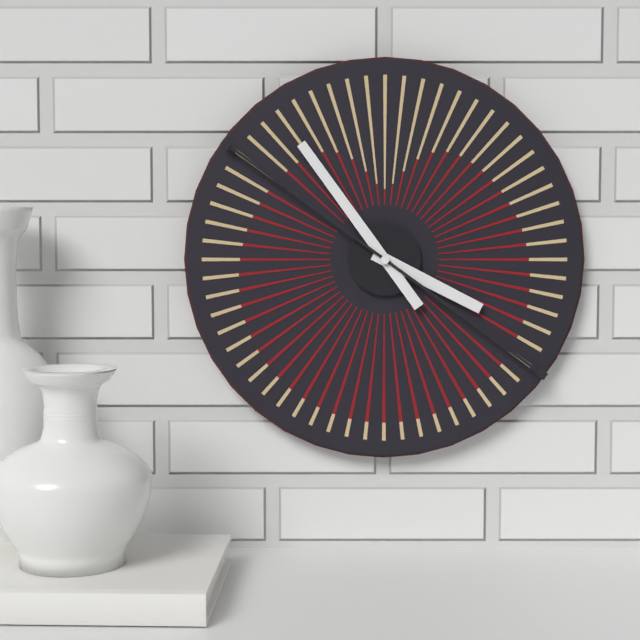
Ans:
3h54
